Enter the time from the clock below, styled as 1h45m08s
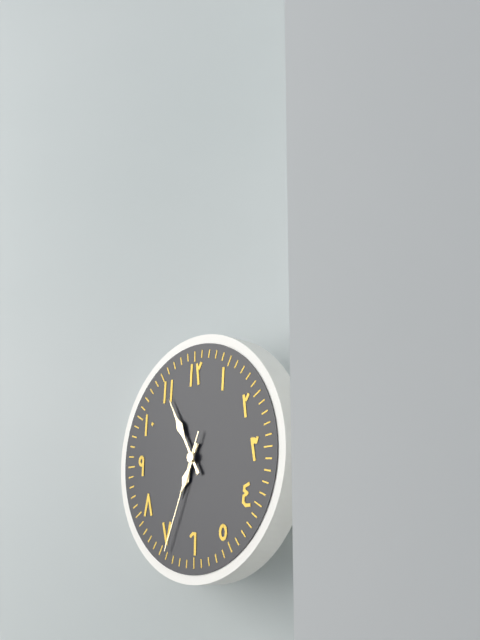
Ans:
6h55m34s
